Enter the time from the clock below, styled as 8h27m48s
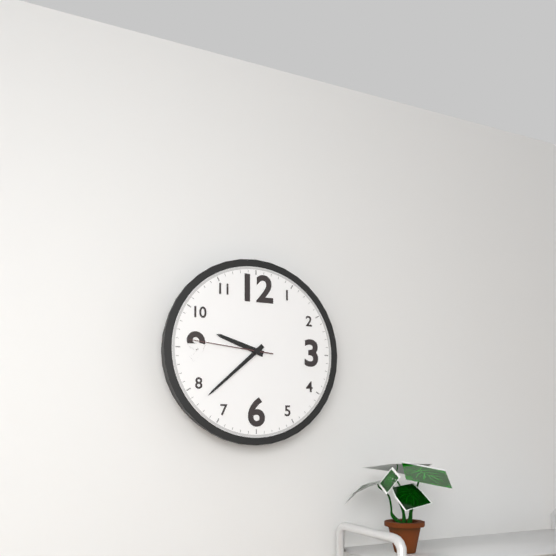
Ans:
9h38m46s
